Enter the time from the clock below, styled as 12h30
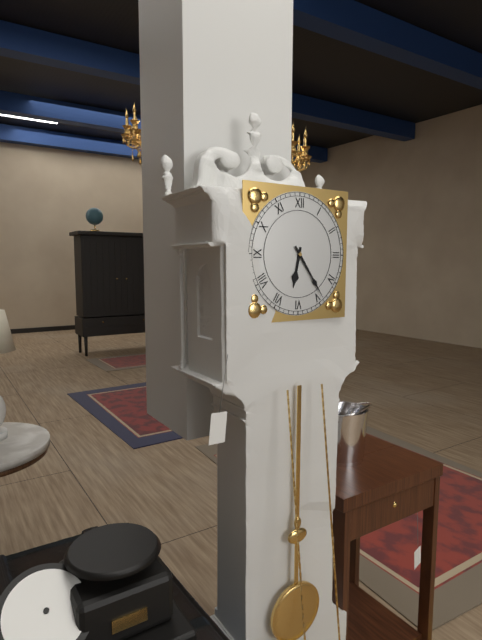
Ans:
6h24
